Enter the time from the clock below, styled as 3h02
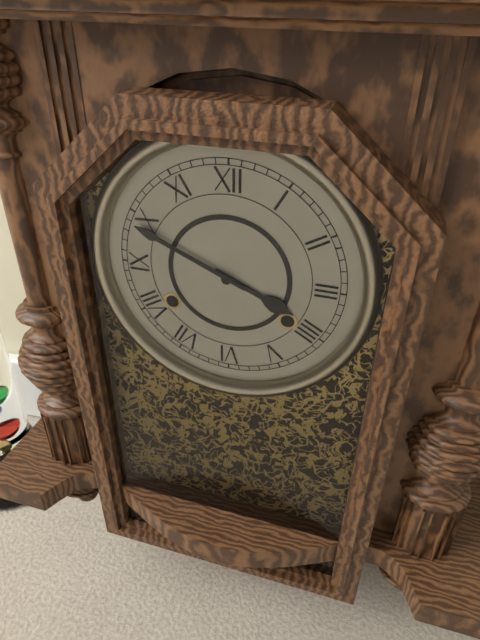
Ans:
3h49
